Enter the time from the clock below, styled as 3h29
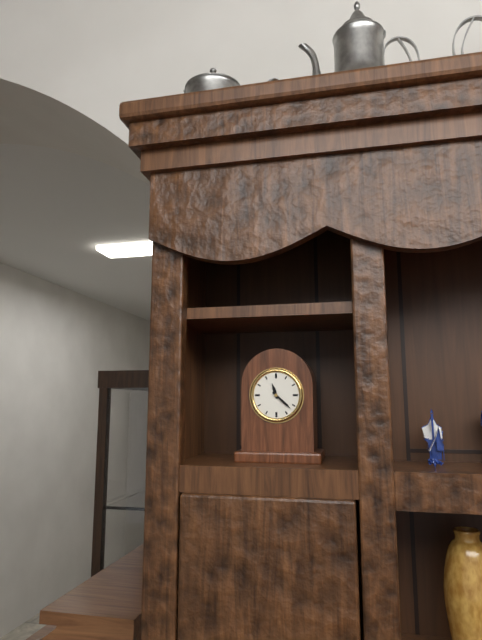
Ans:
11h22
